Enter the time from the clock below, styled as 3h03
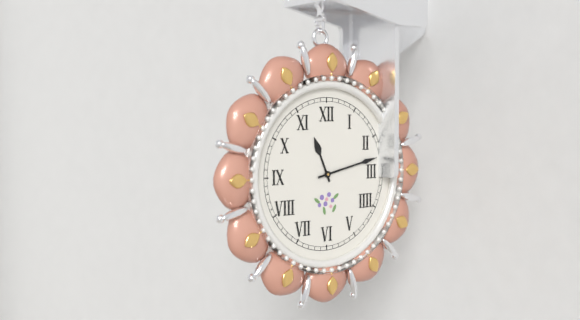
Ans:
11h13
